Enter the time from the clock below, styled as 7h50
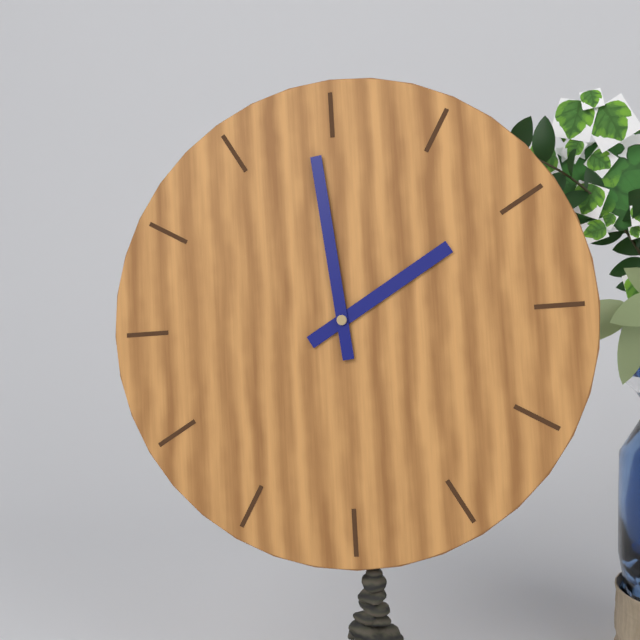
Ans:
1h59
